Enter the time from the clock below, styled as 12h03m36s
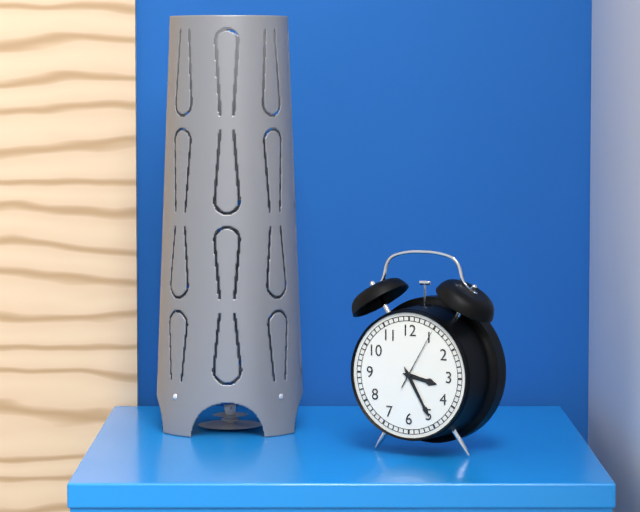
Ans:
3h25m05s
